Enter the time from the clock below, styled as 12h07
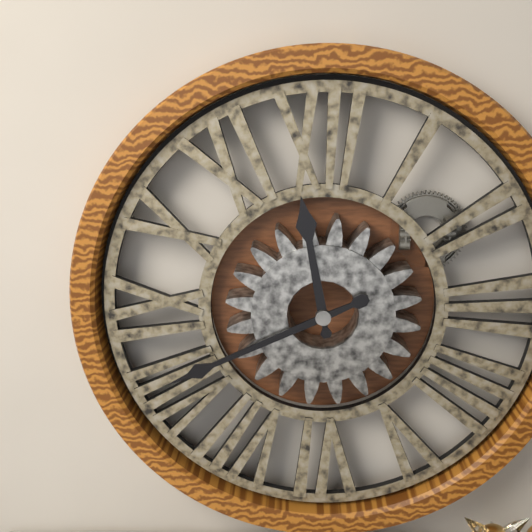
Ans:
11h41
